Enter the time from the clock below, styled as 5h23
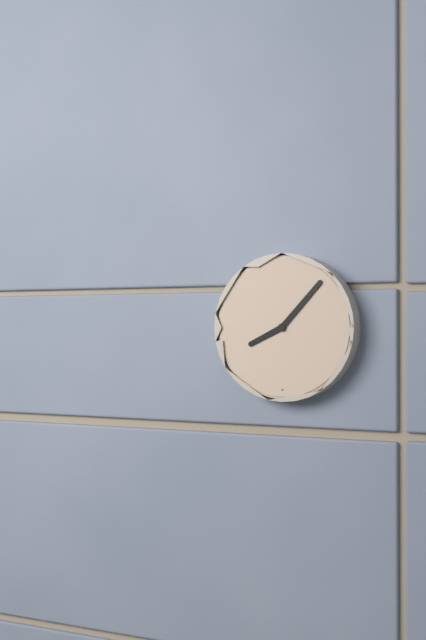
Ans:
8h07
